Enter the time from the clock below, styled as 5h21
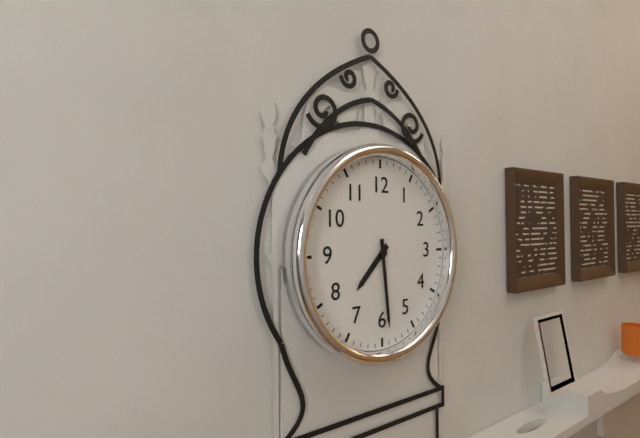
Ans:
7h29
